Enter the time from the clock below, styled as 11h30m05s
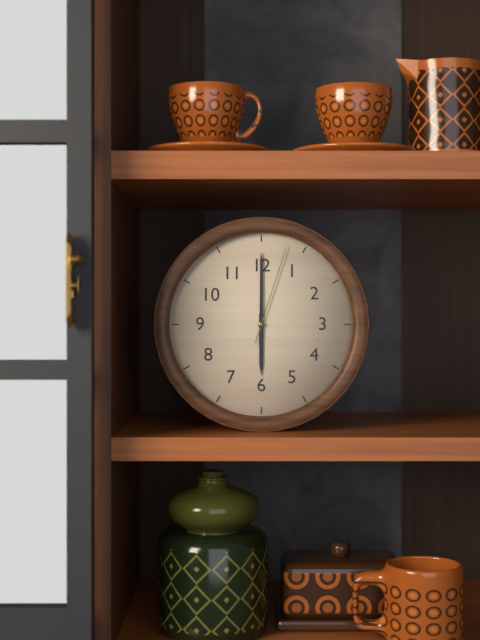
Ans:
6h00m03s
